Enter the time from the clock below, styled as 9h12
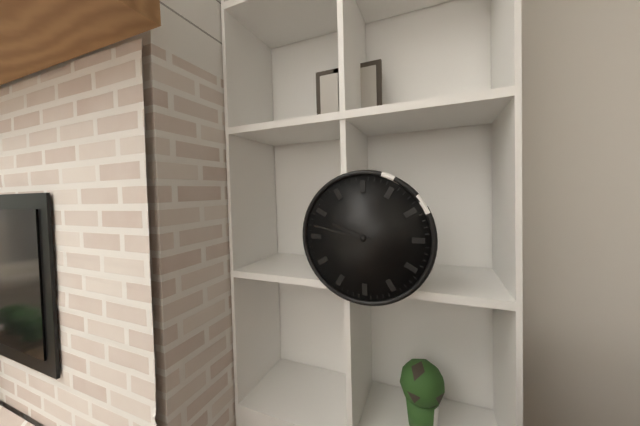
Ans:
9h47
